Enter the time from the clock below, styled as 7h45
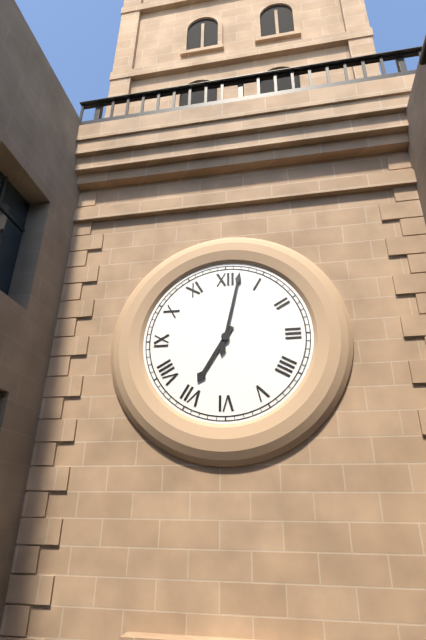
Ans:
7h02
